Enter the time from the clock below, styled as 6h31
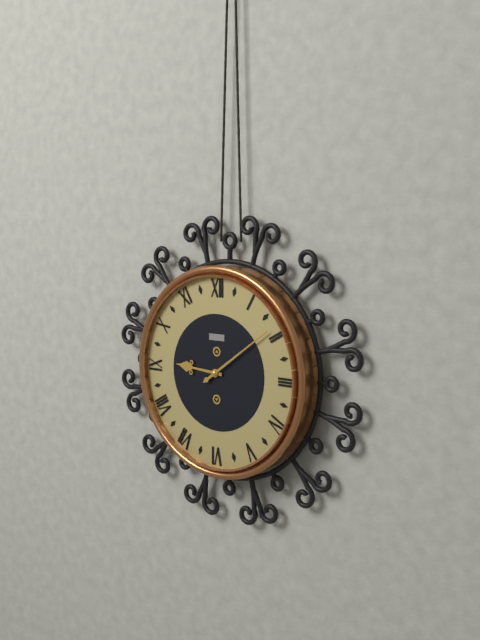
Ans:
9h09
